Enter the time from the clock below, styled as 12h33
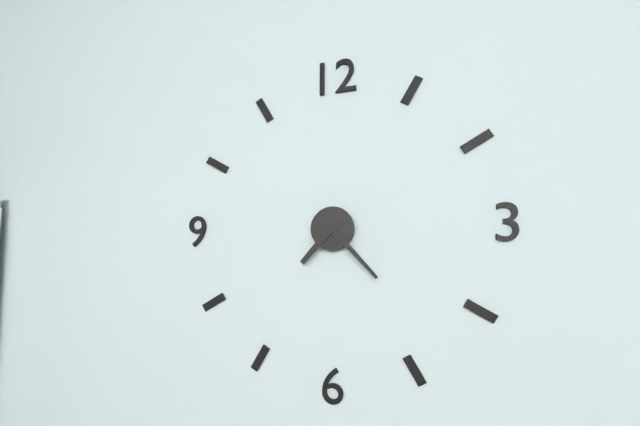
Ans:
7h23
